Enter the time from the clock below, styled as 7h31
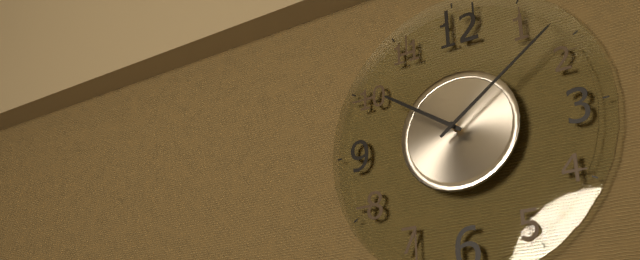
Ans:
10h09
